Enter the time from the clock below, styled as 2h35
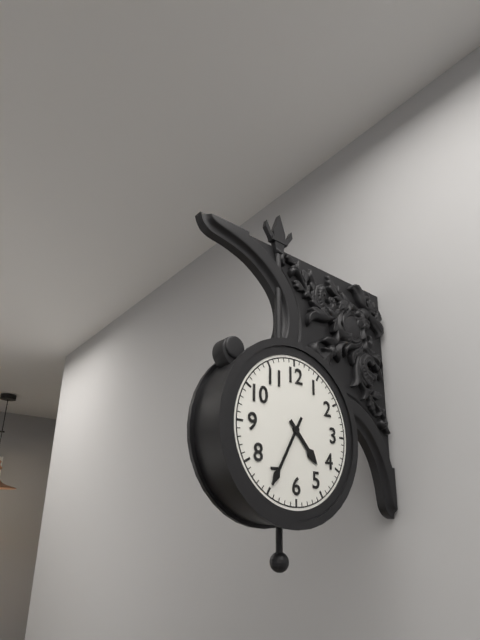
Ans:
4h35
